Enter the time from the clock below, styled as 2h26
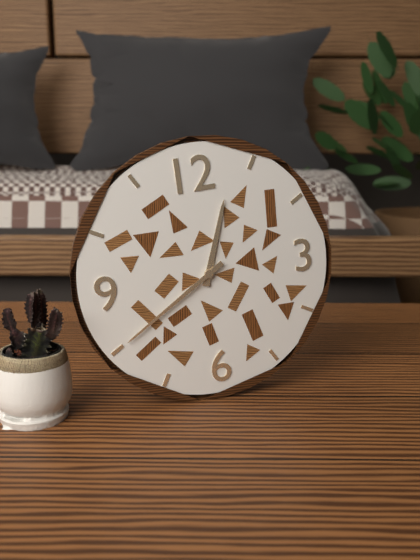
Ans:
12h40
